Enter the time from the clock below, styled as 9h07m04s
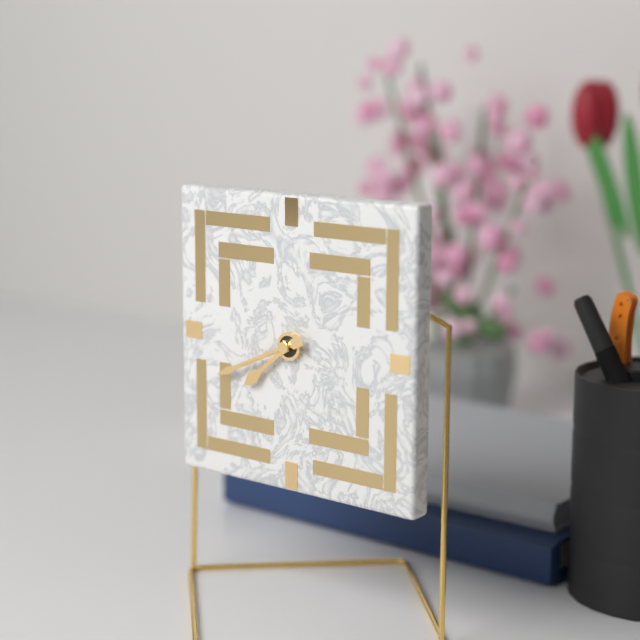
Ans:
7h41m41s
